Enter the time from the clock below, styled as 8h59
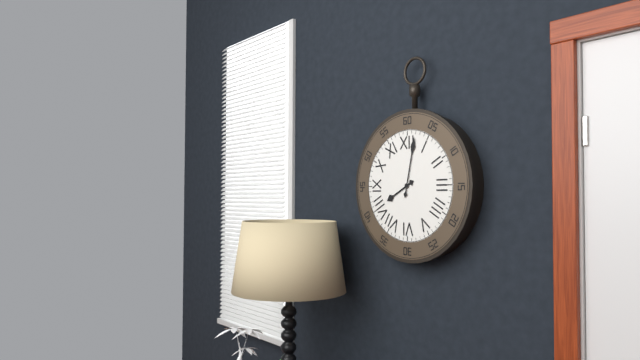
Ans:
8h02
